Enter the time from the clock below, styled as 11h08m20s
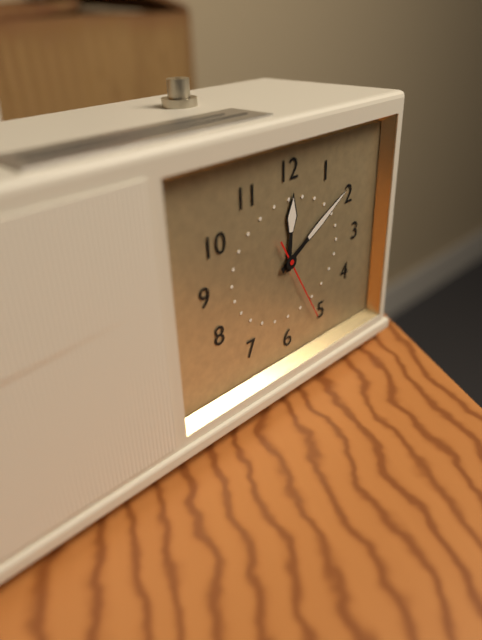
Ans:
12h10m25s
